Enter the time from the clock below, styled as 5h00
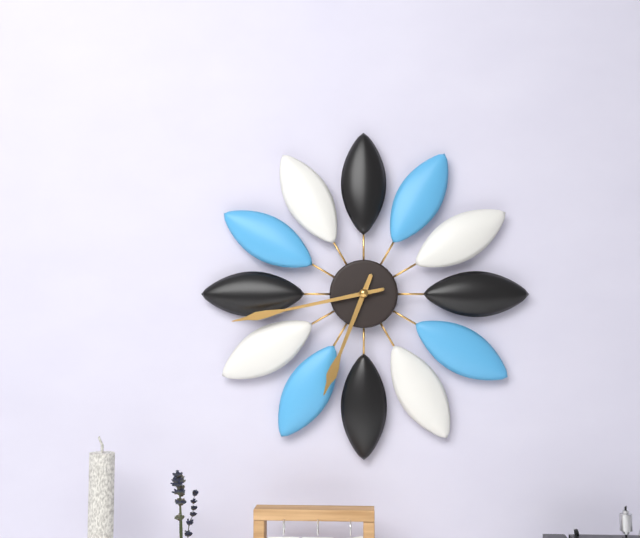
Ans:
6h43
